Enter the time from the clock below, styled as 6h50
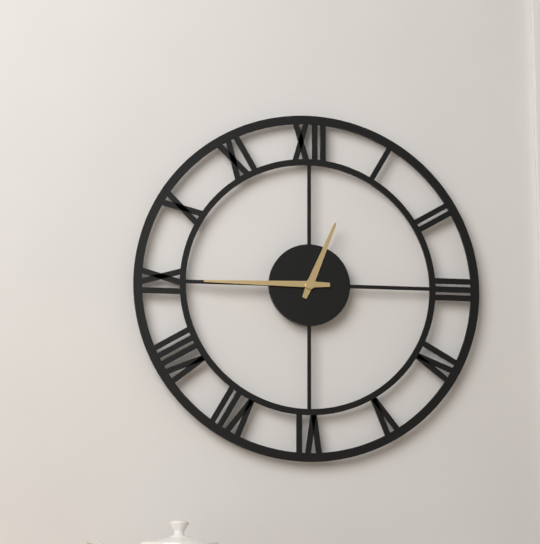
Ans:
12h45
